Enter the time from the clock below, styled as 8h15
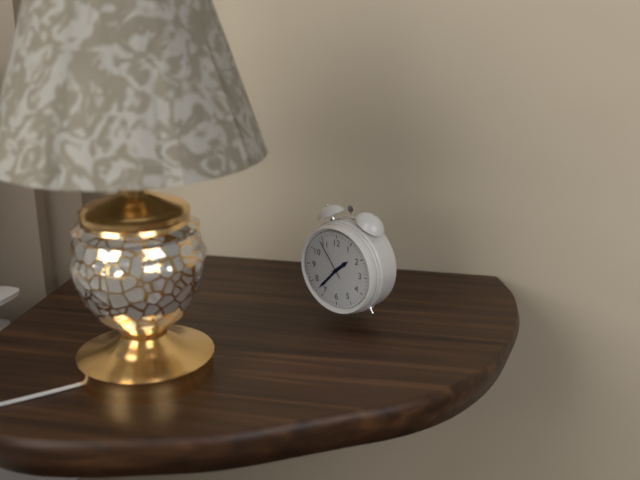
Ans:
1h37
